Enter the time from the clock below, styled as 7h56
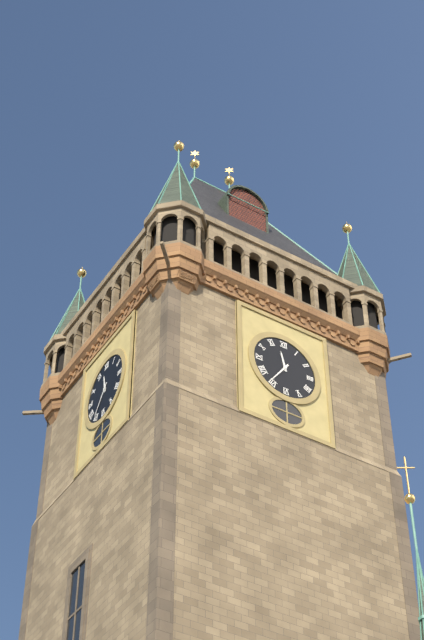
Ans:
11h36
